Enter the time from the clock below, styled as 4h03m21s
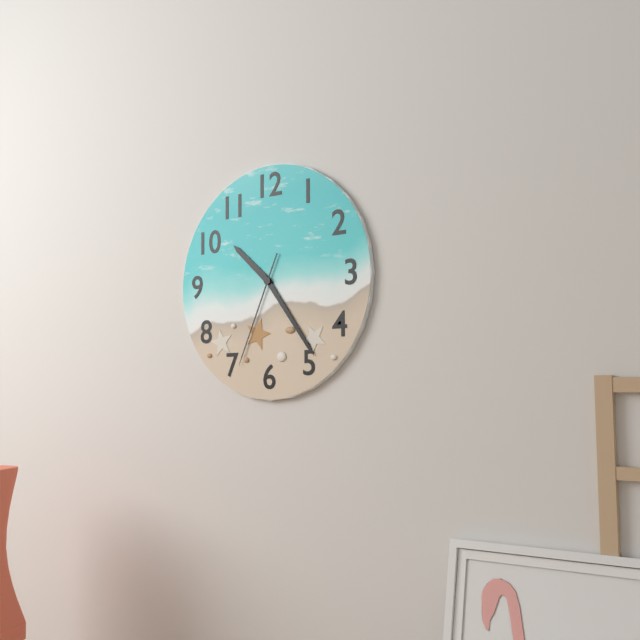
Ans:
10h24m34s
